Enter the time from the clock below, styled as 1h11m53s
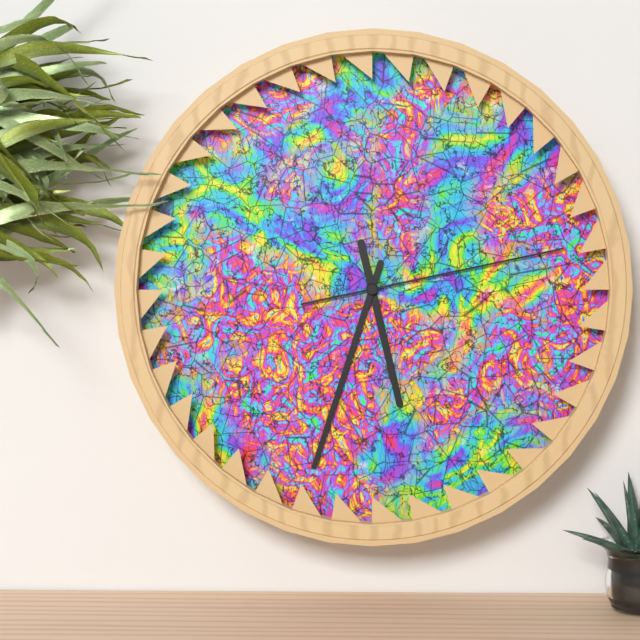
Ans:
5h33m13s
